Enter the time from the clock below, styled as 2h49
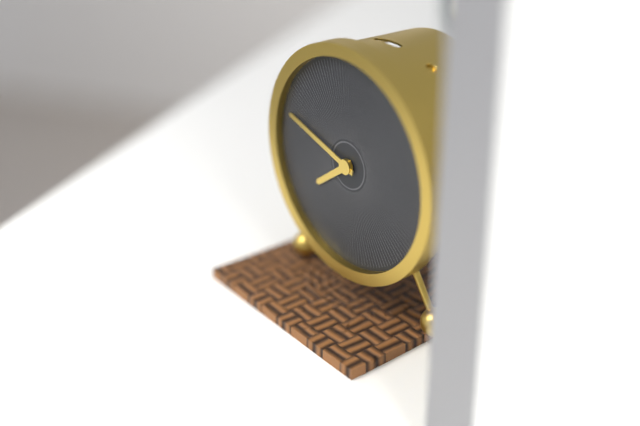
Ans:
7h48
